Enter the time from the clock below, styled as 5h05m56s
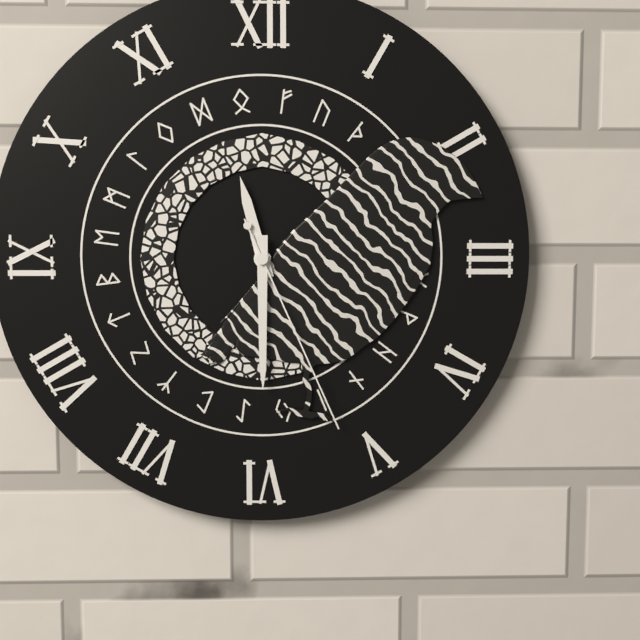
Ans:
11h30m26s
